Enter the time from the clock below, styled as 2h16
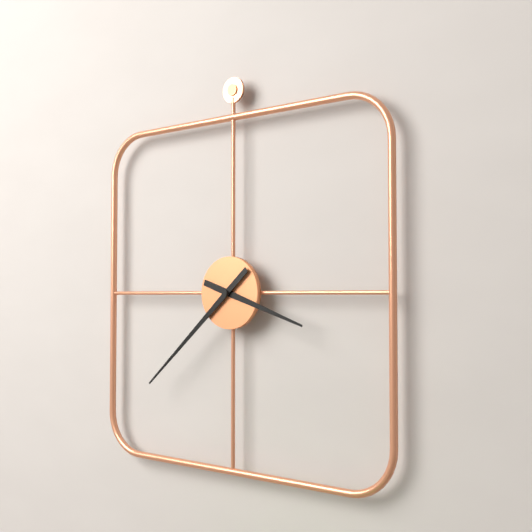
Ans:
3h38
